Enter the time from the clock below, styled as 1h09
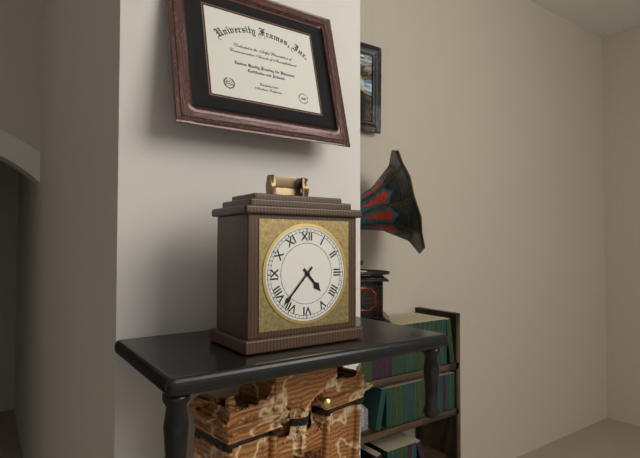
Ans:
4h37
